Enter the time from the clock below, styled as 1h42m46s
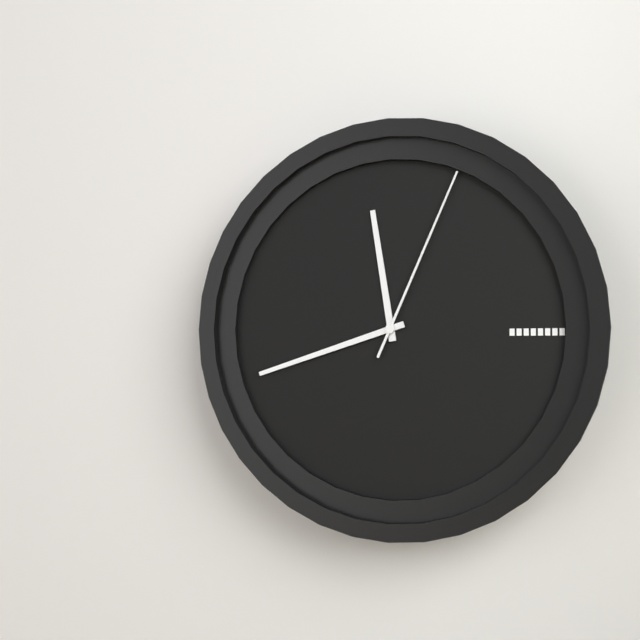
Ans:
11h42m04s
